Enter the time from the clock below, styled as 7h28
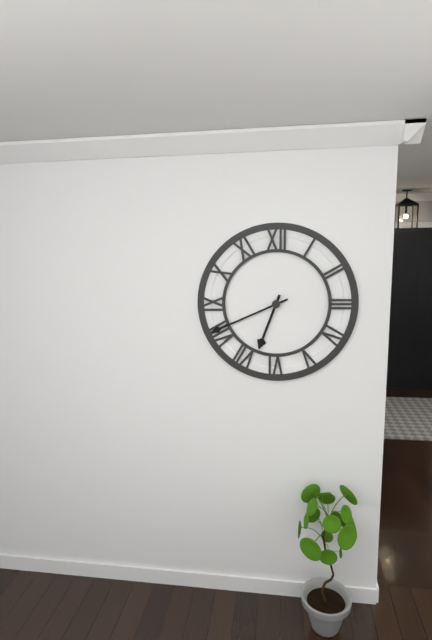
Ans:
6h41
